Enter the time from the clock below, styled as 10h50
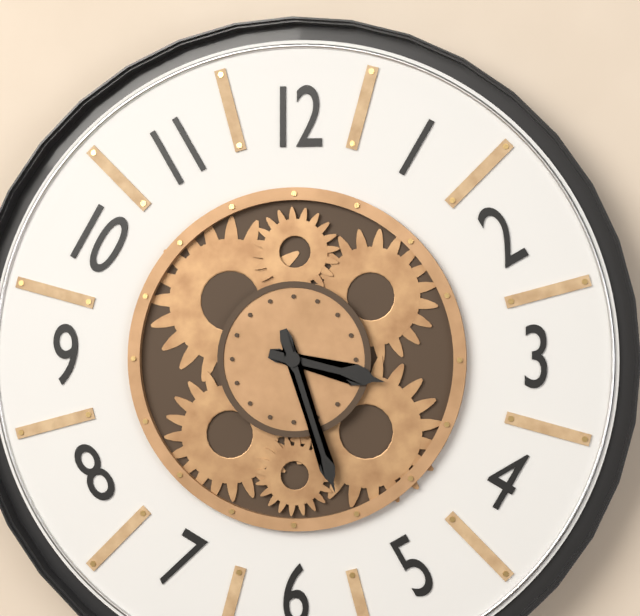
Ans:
3h27
